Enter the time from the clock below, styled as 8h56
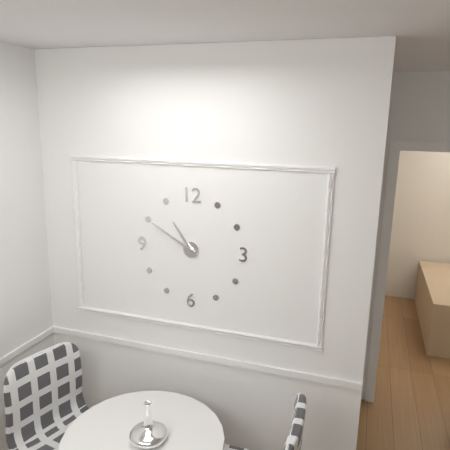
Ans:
10h50
